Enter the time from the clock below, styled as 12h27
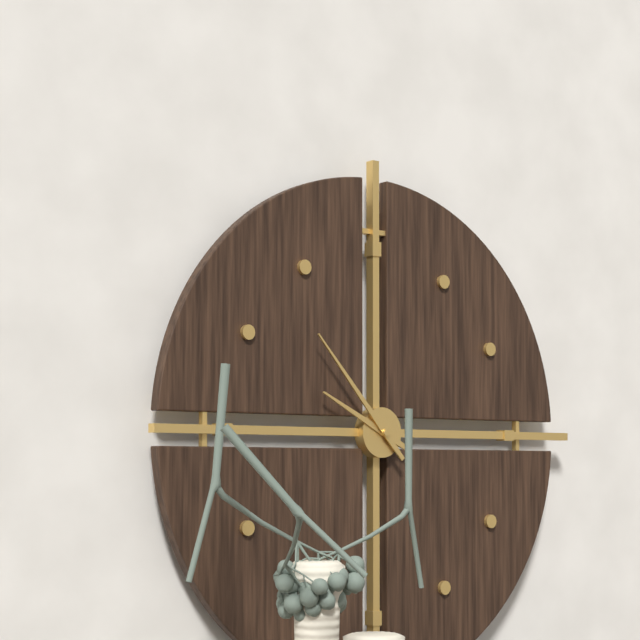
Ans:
9h53
